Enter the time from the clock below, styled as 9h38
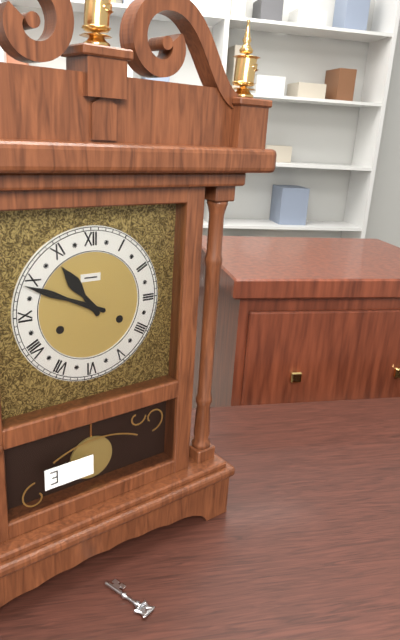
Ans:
10h49
